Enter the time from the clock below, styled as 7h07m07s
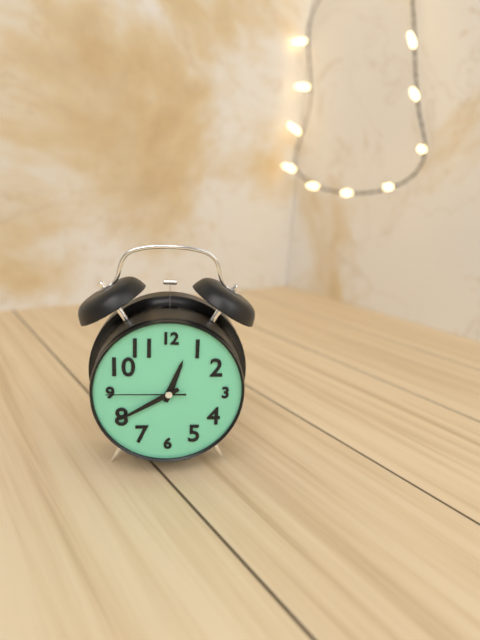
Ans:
12h40m45s
